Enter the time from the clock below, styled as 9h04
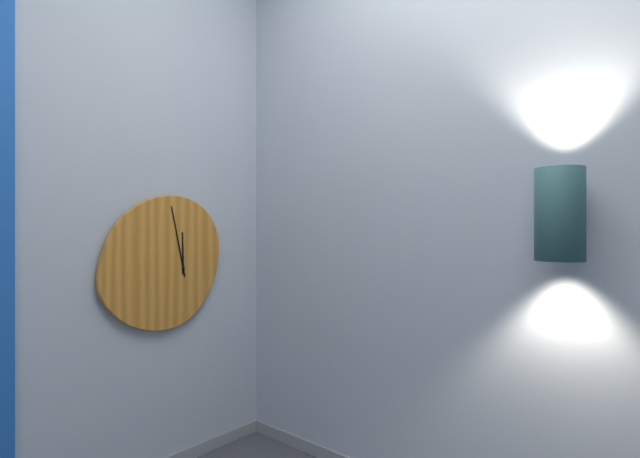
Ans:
11h58
